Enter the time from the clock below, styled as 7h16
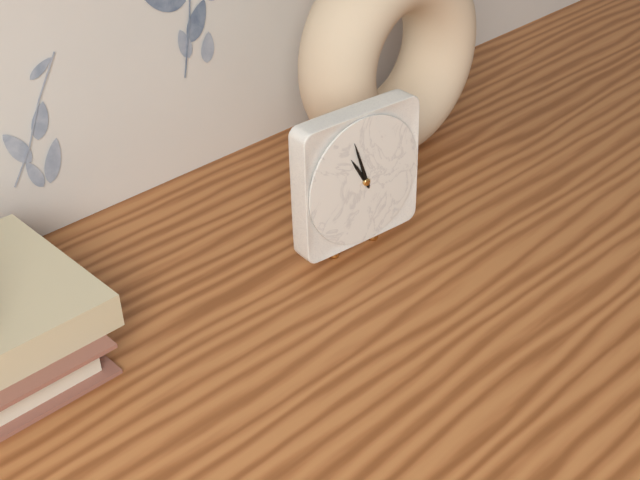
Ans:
10h57
